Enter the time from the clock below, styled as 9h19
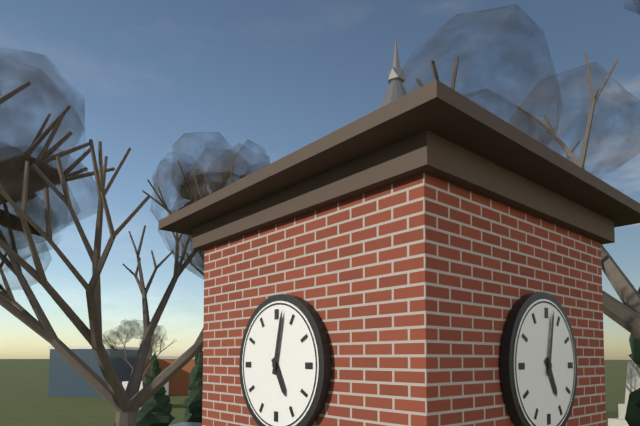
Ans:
5h02
